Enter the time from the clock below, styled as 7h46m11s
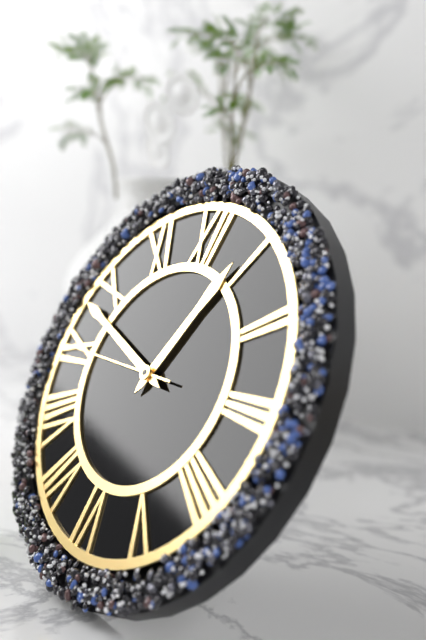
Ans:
12h48m45s
